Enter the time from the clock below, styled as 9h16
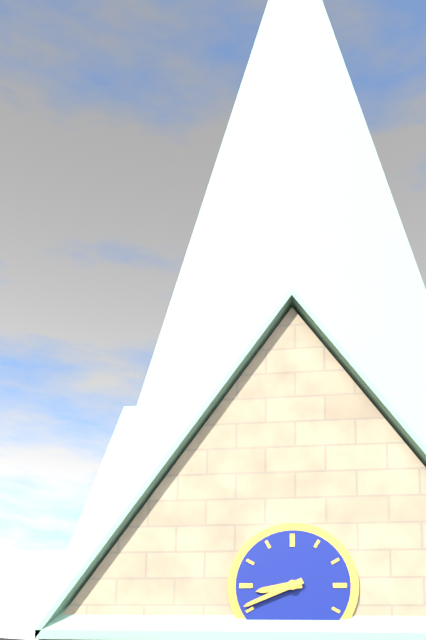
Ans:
8h41
